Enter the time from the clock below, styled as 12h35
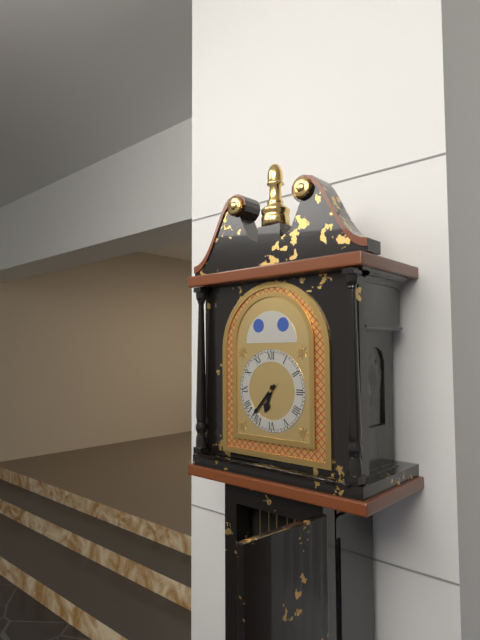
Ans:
6h37
